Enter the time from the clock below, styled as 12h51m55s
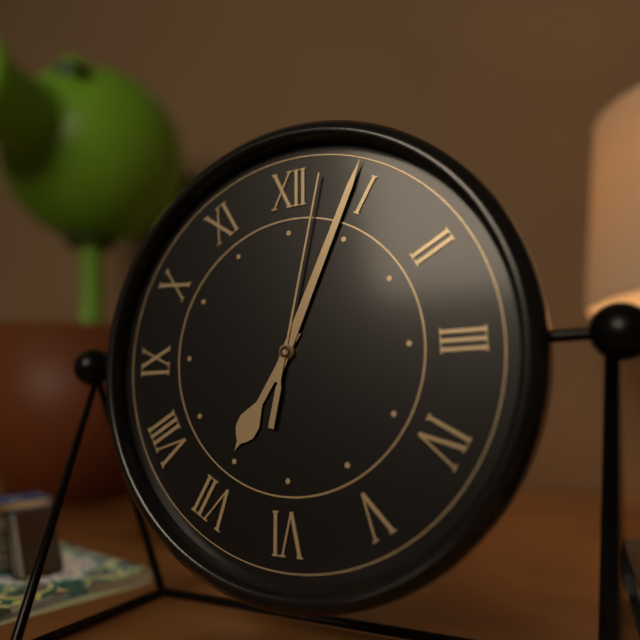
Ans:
7h04m02s
